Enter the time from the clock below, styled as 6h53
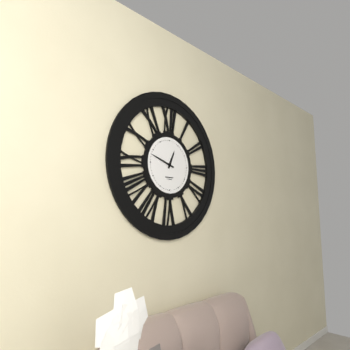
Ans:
12h48
